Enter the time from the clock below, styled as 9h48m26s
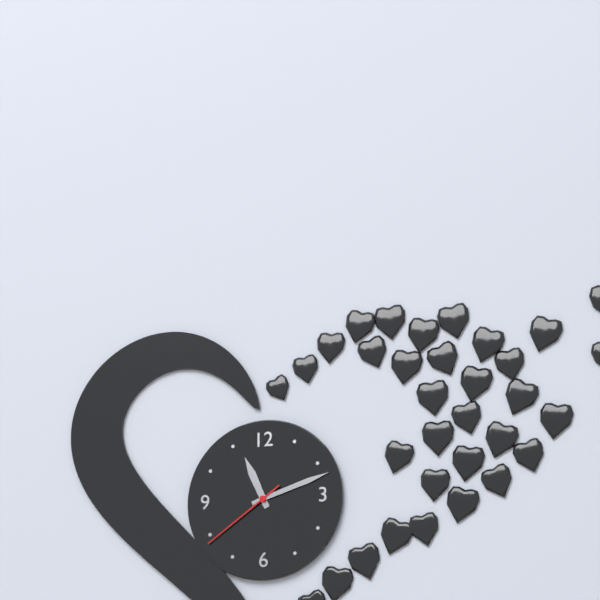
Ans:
11h12m39s
